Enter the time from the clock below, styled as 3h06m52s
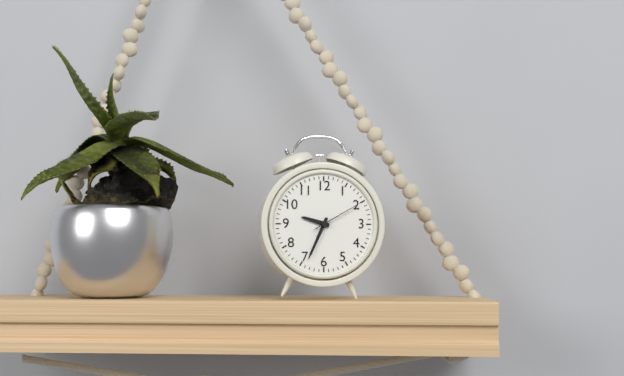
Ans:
9h34m10s
